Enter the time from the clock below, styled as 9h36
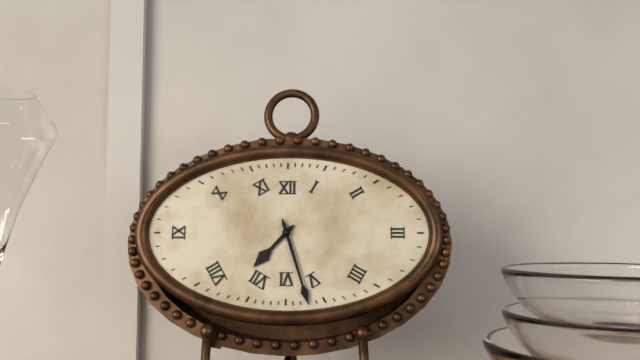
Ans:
7h27
